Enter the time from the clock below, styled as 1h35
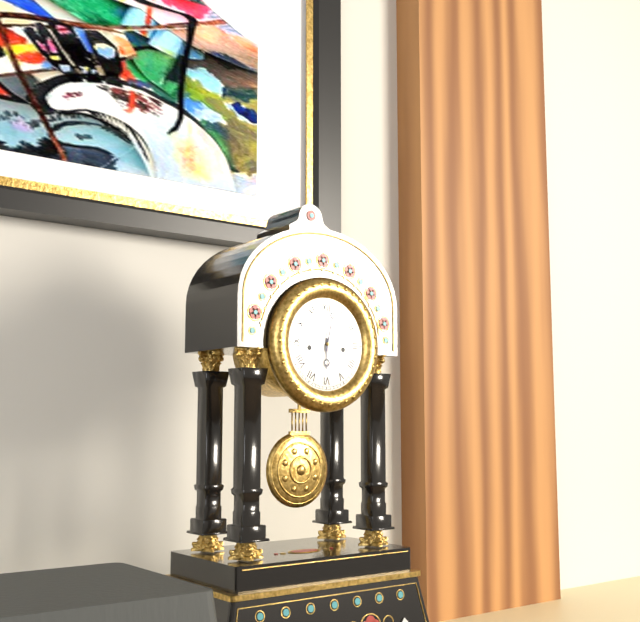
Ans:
6h02
